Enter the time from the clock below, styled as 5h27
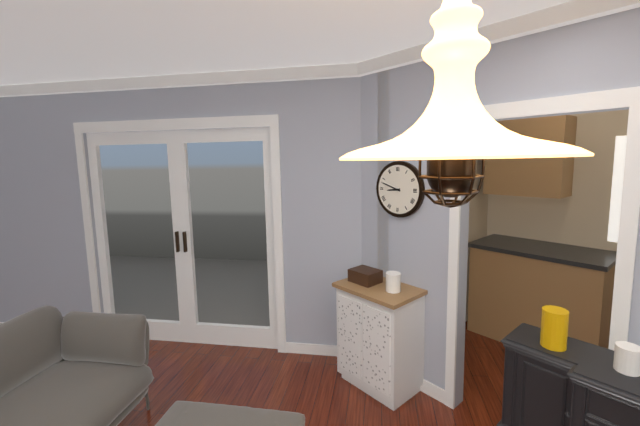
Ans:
8h48
